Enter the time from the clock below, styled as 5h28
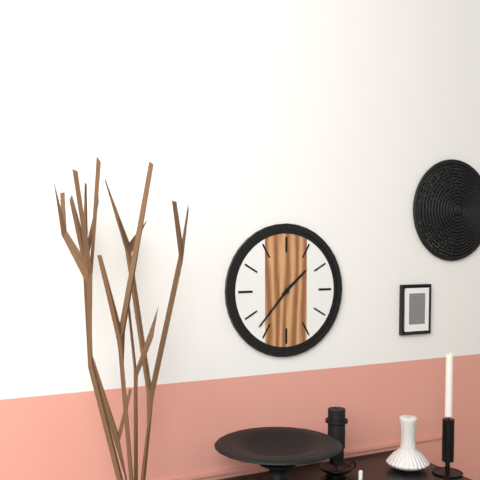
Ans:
1h37
